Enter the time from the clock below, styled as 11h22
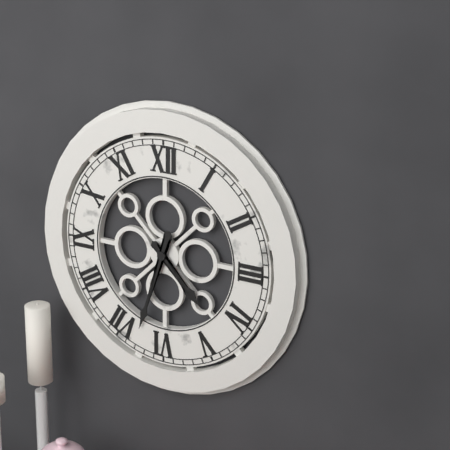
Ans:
4h33
